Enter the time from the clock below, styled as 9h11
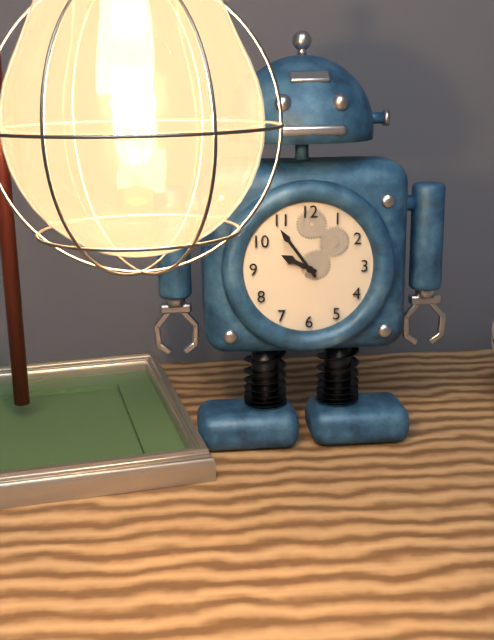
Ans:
9h54
